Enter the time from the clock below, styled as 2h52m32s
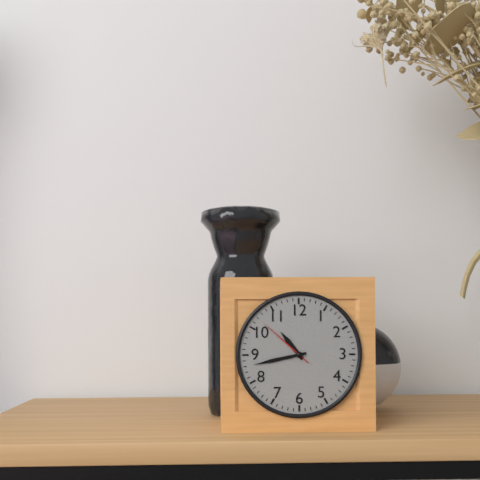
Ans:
10h43m52s
